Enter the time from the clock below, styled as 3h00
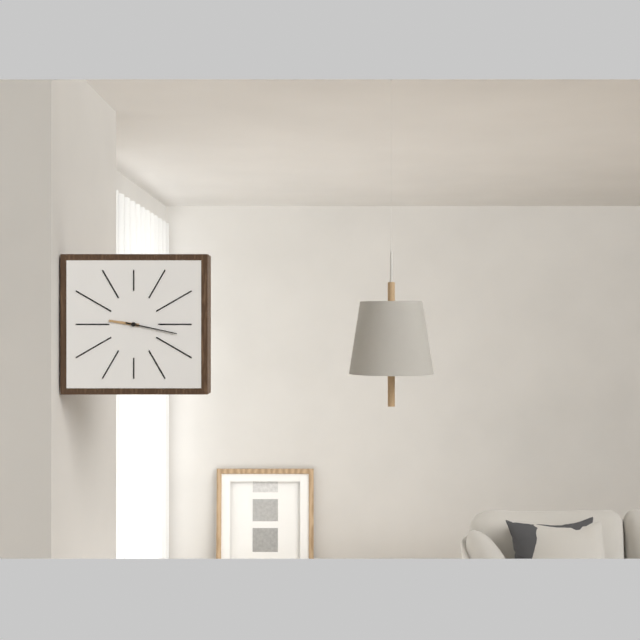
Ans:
9h17
